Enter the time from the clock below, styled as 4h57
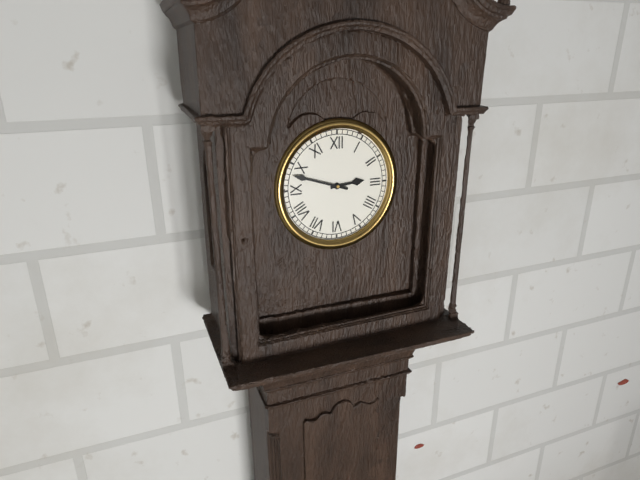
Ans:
2h48
